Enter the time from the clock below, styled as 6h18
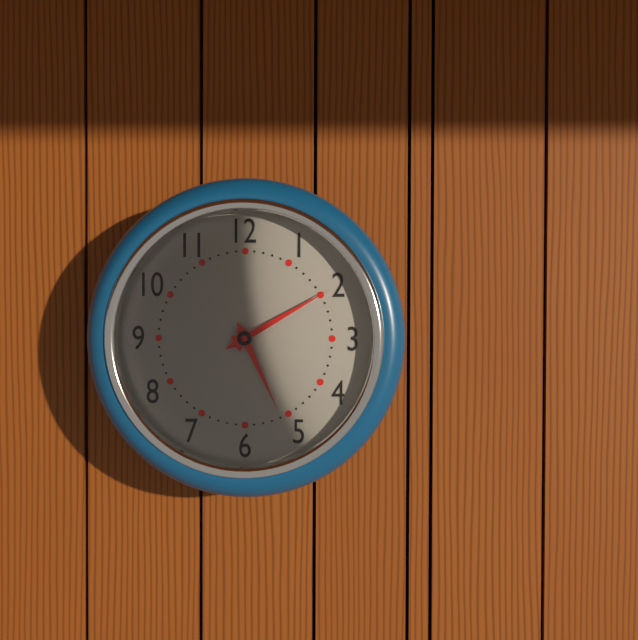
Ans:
5h10
